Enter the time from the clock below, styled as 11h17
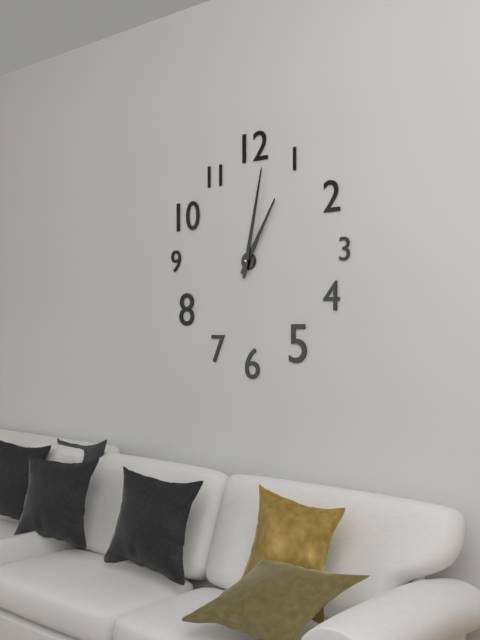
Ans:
1h02
